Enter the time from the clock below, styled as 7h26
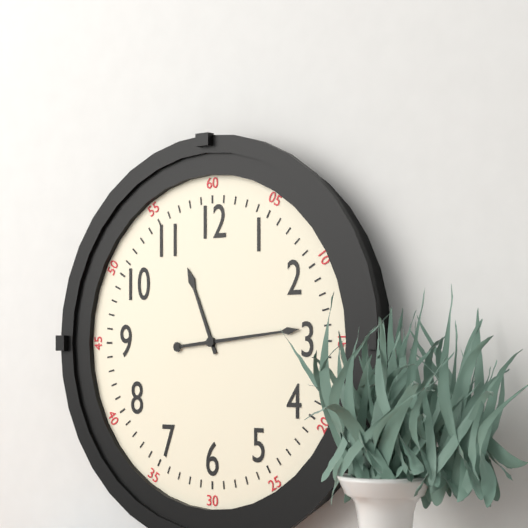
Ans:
11h14
